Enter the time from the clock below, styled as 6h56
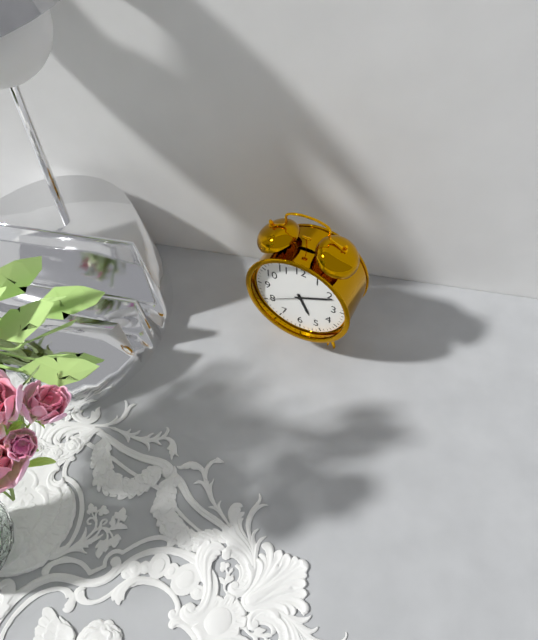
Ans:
5h11
